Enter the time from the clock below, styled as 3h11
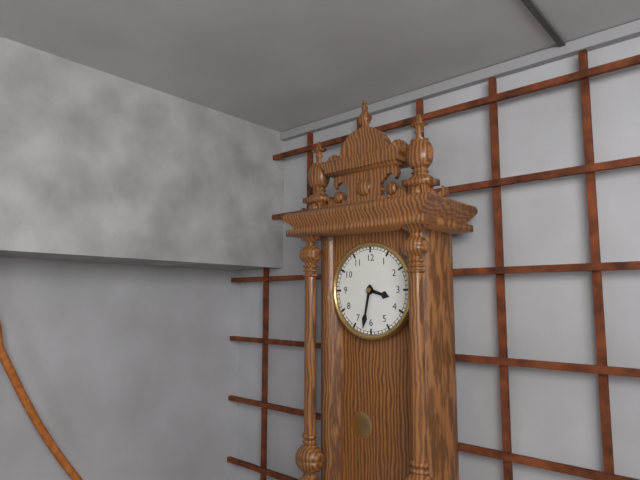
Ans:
3h32
